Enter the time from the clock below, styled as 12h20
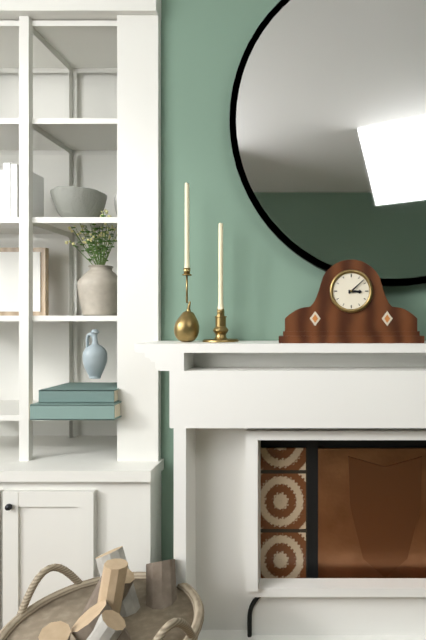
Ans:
3h08
